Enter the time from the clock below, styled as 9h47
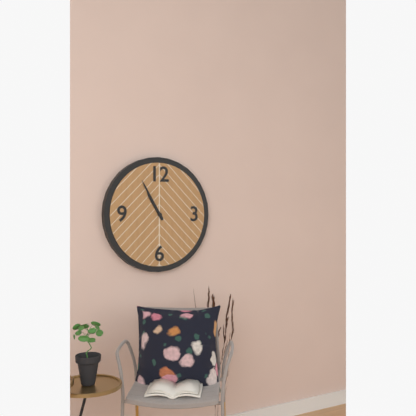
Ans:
10h55
